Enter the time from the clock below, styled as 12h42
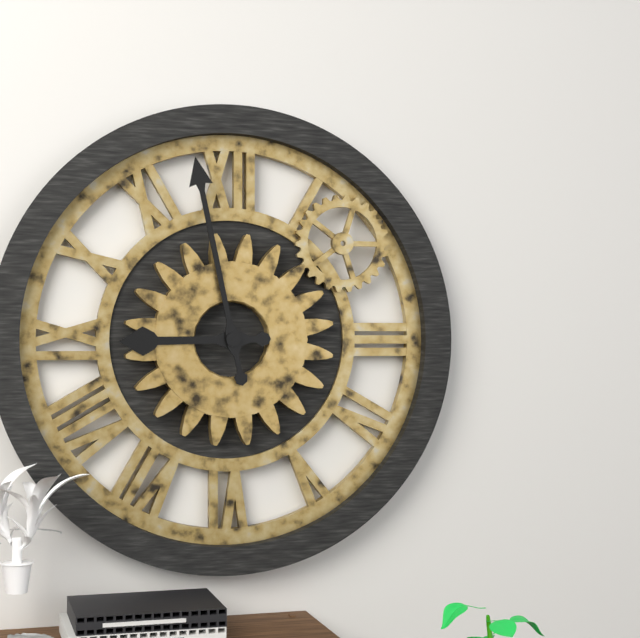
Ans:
8h58
